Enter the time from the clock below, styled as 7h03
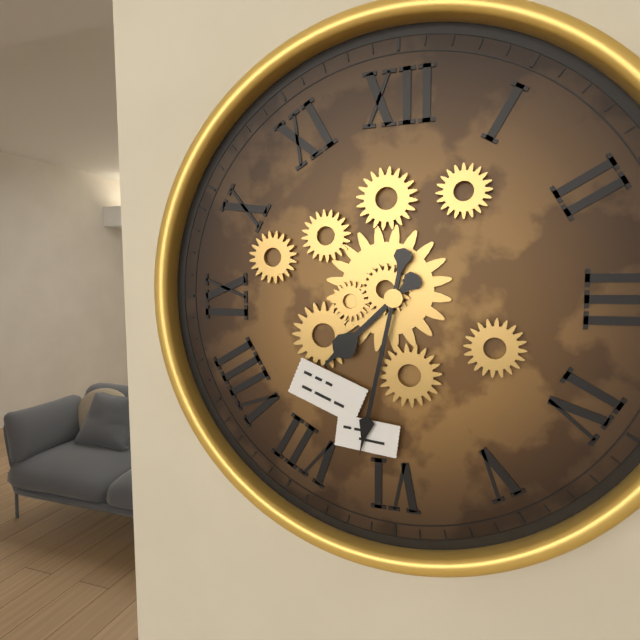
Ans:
7h32
